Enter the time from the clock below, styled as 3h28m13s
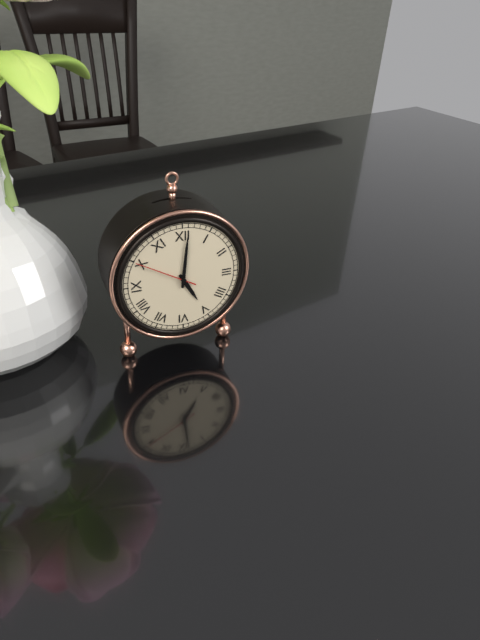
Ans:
5h01m50s
